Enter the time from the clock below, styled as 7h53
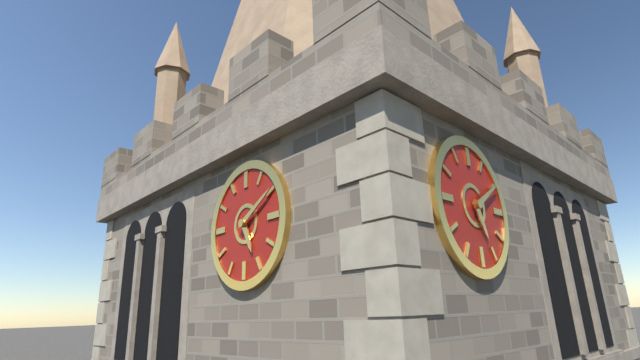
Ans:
5h10
